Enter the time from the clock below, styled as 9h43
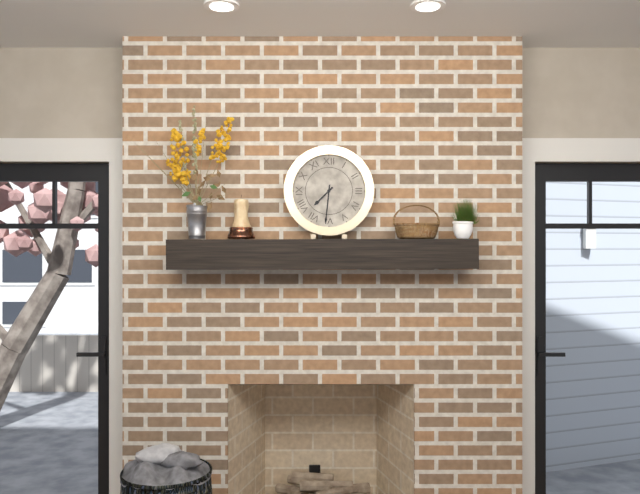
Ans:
7h31
